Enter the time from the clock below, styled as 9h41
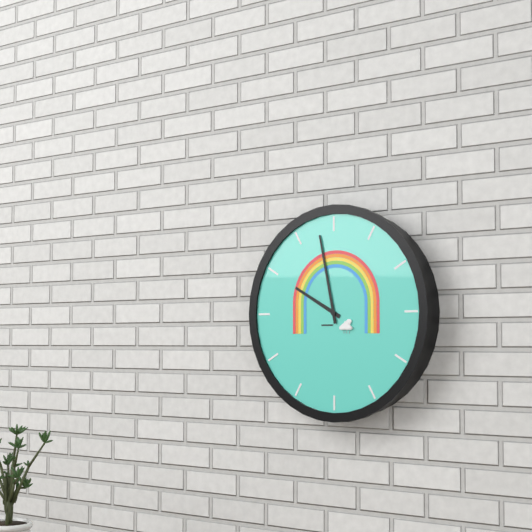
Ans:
9h58
